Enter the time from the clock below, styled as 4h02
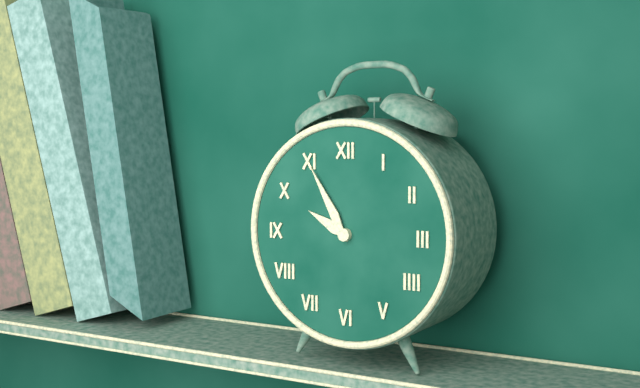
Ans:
9h55
